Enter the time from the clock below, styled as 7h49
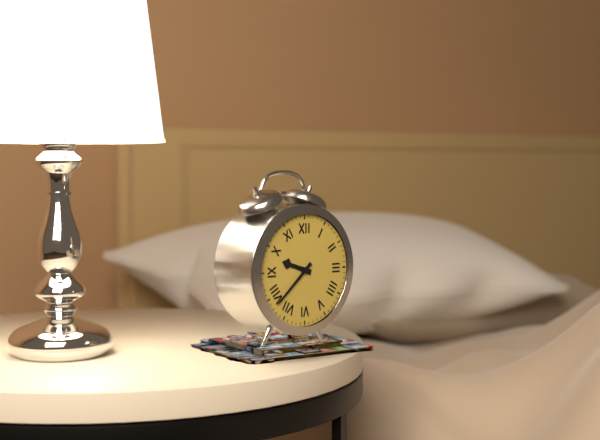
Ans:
9h38
